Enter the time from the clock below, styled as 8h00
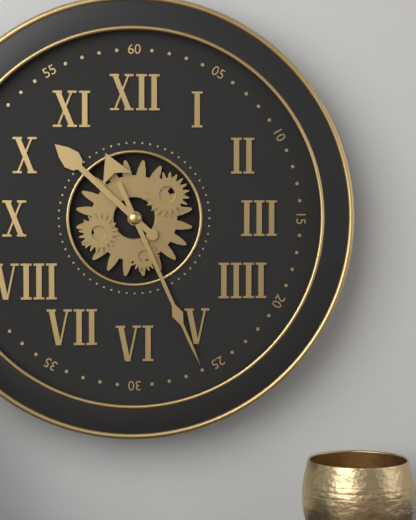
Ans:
10h26
